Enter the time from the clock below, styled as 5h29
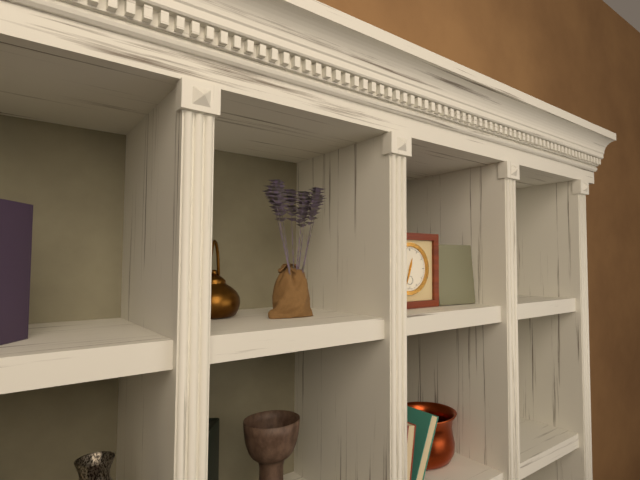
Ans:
12h33
